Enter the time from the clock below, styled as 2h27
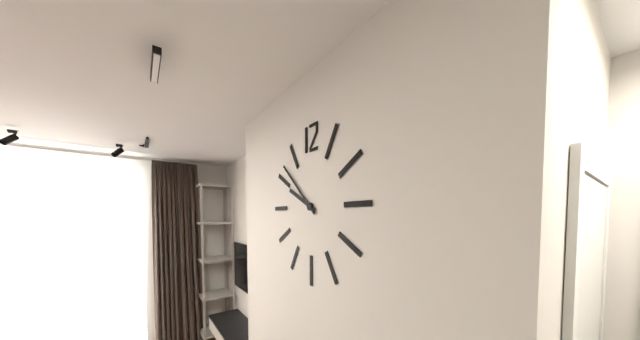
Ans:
9h52
